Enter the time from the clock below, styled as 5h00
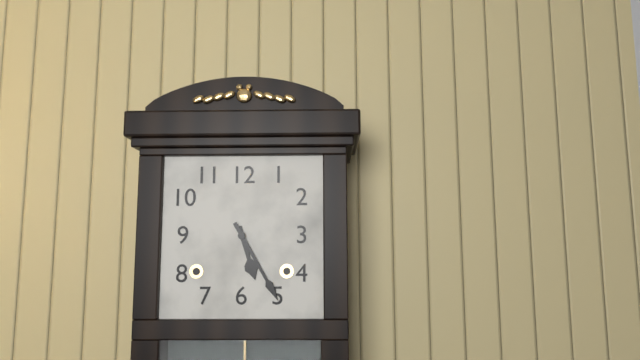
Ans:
5h25
